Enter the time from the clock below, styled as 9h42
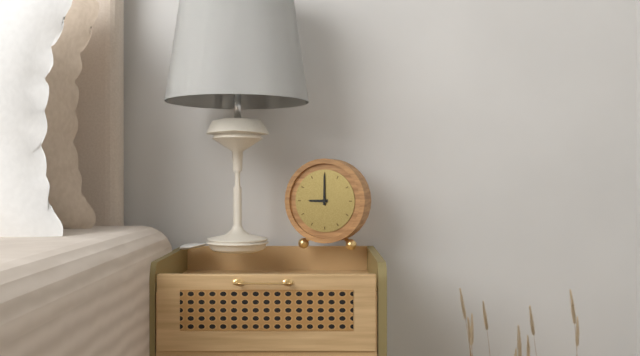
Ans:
9h00
